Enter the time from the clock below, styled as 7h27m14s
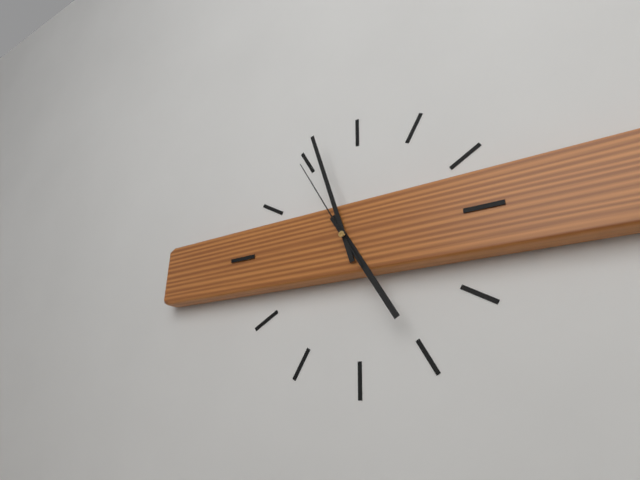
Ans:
4h57m55s
